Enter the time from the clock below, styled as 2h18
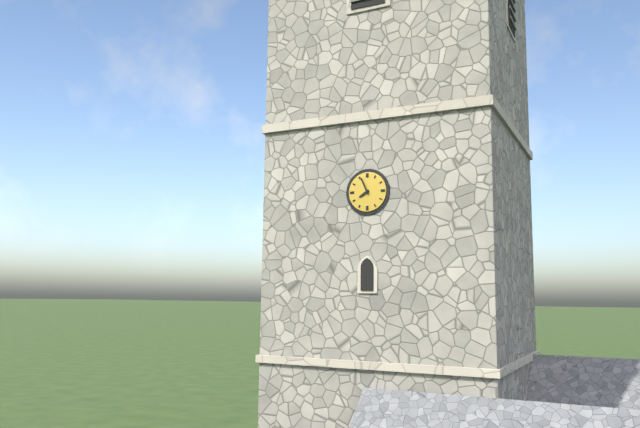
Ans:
7h56
